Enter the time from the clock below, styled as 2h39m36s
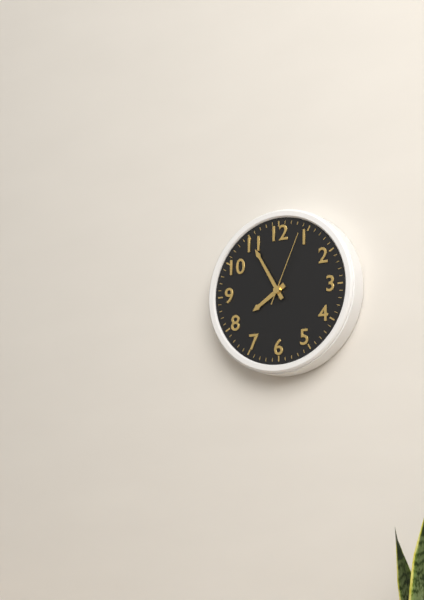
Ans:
7h55m04s
